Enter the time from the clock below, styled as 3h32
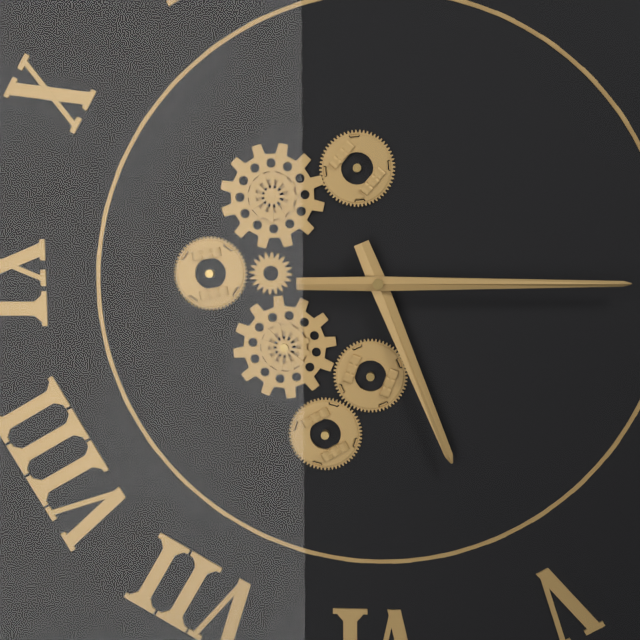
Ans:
5h15
